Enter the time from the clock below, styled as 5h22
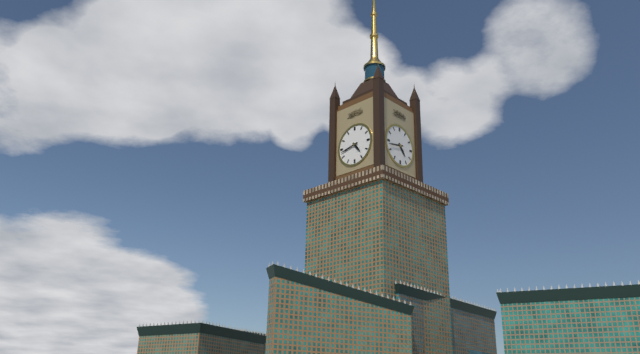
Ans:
4h43
